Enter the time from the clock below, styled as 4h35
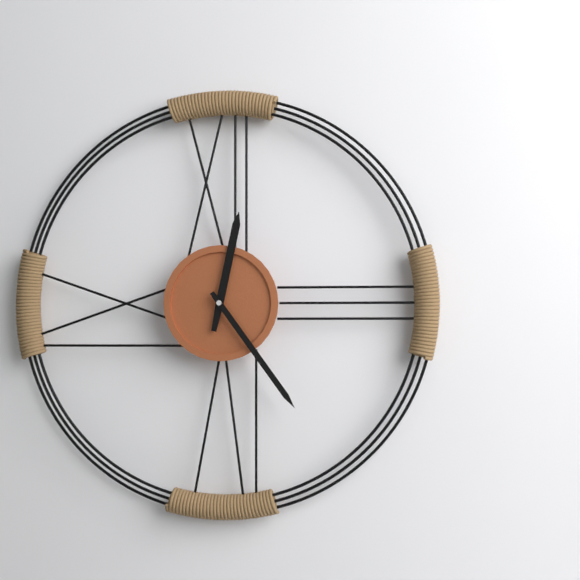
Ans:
12h24
